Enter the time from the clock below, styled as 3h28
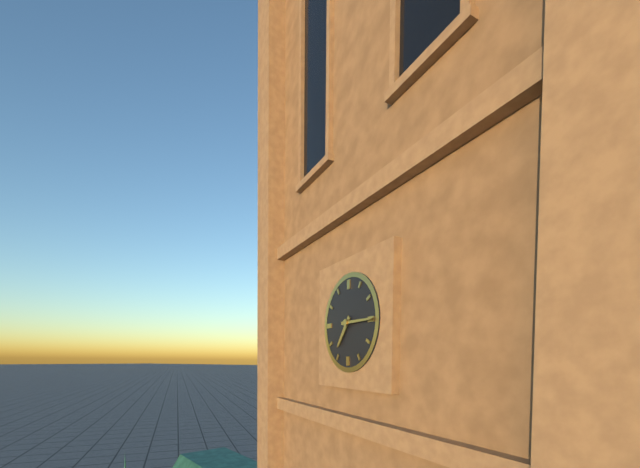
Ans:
7h15
